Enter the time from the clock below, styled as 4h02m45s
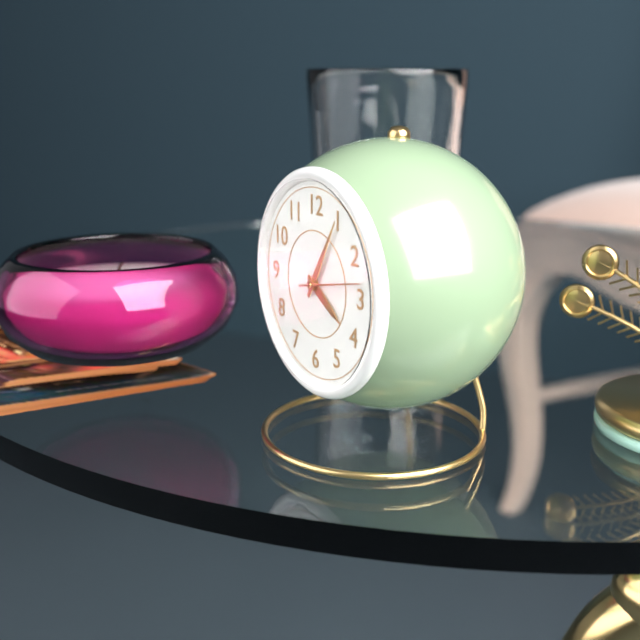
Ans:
4h05m13s
